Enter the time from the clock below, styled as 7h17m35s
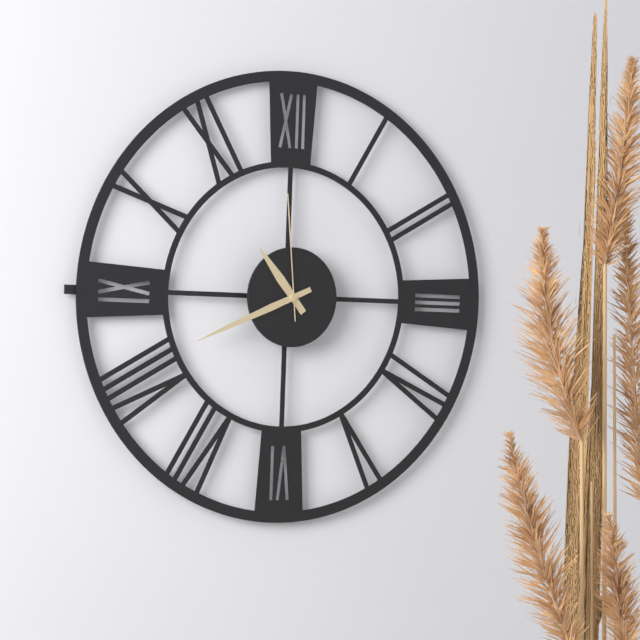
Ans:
10h41m59s
